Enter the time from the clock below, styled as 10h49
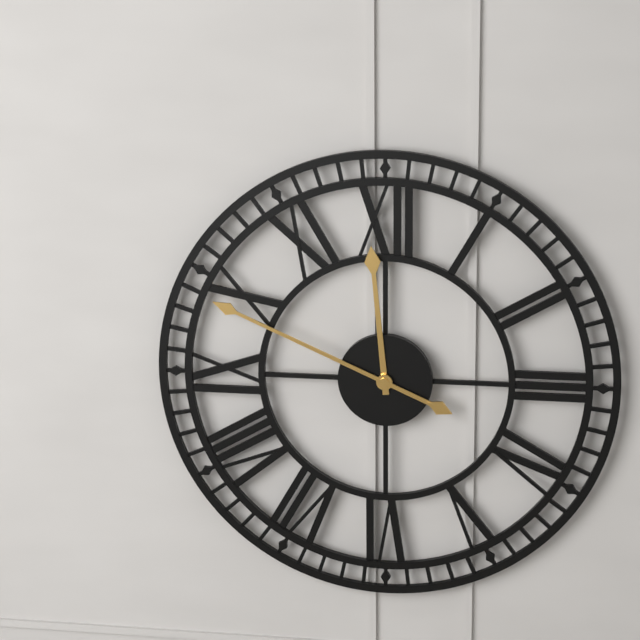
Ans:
11h49
